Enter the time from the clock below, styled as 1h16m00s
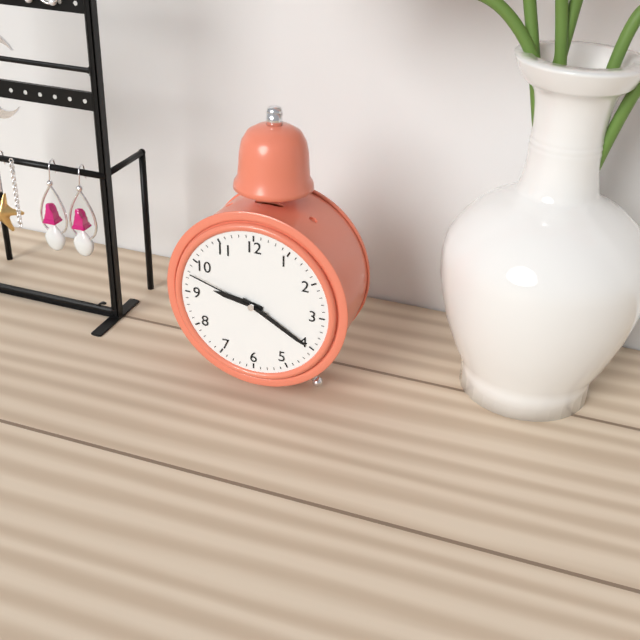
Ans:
9h20m48s
